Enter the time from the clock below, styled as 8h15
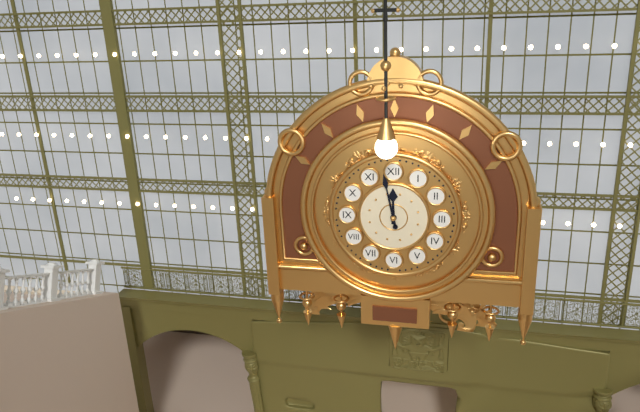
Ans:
11h58
